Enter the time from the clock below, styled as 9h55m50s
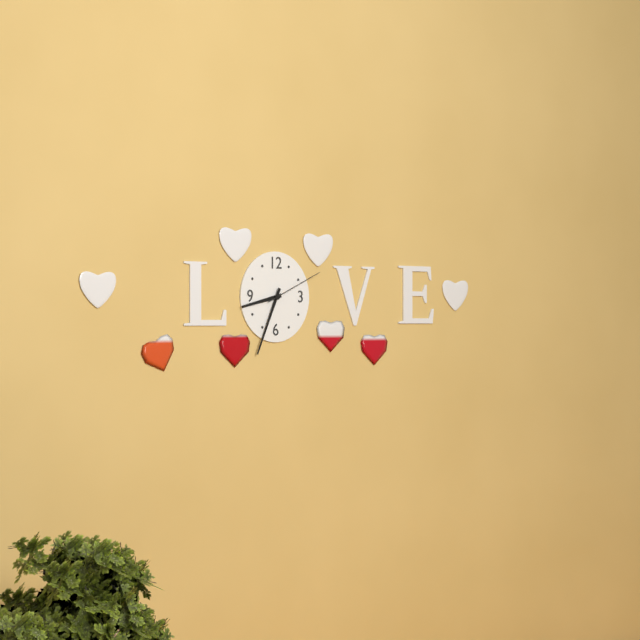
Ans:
8h34m11s
